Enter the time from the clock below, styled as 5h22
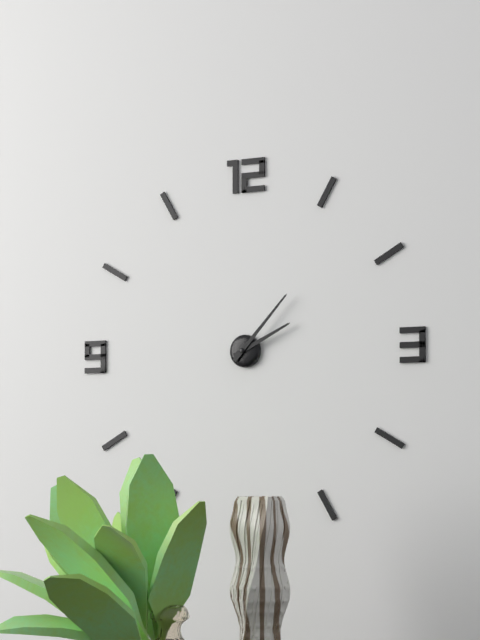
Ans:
2h07
